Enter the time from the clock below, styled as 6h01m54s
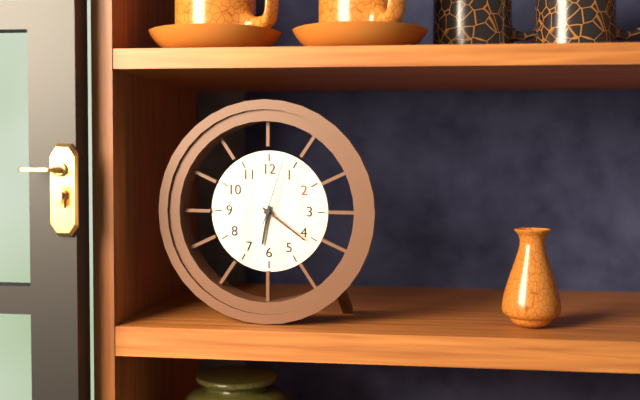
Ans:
6h21m03s
